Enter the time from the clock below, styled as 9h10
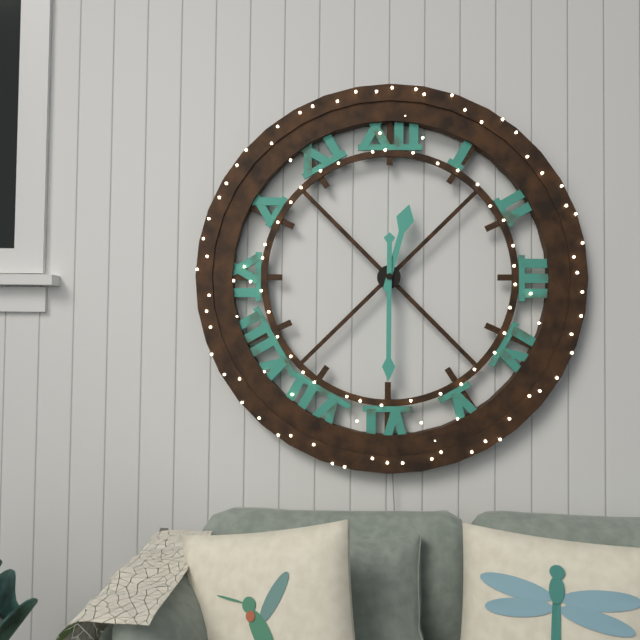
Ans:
12h30
